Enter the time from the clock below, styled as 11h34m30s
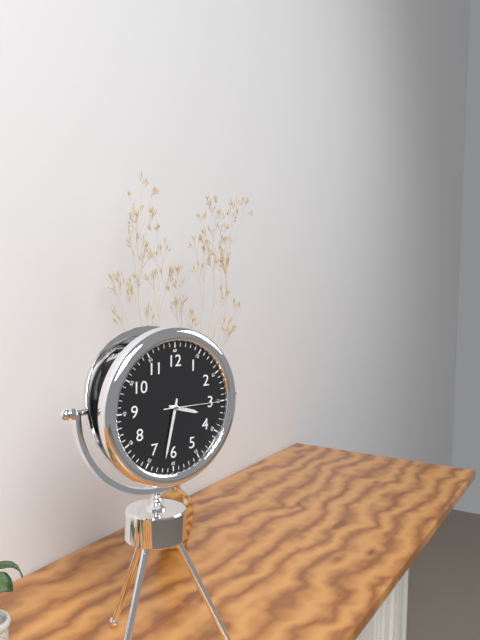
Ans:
3h32m15s
